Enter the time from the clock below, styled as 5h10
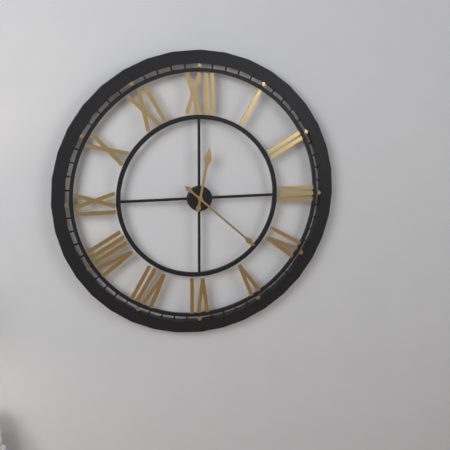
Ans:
12h22
